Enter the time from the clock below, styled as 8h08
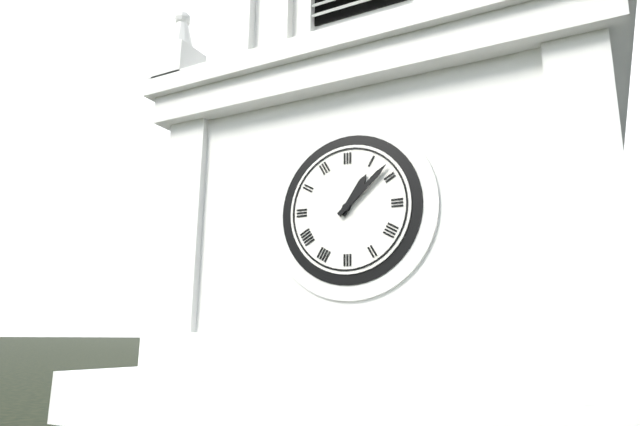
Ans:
1h08
